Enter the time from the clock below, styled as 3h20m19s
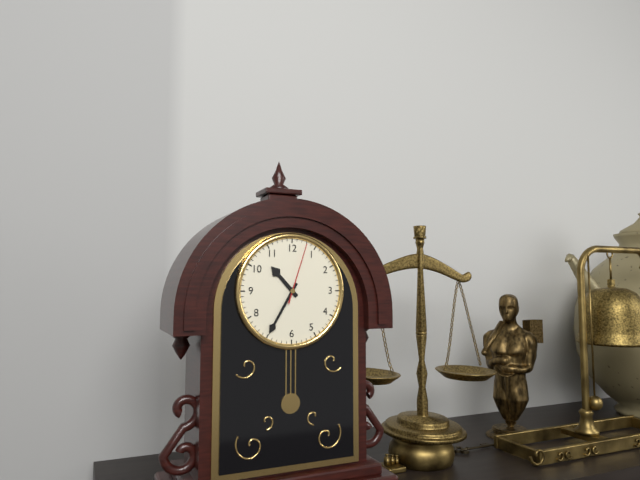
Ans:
10h35m03s
